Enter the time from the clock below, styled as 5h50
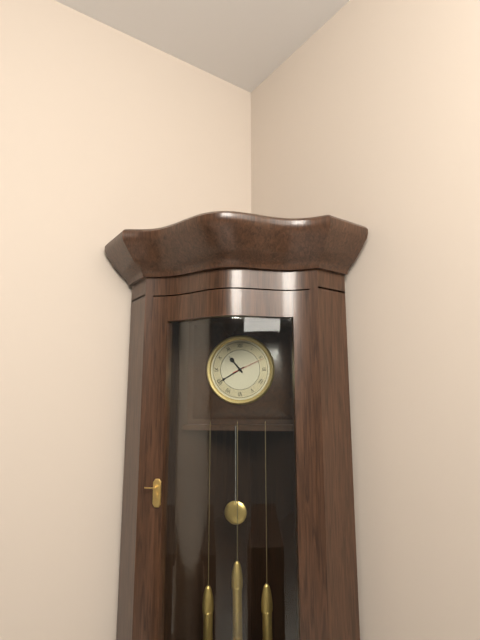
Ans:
10h40
